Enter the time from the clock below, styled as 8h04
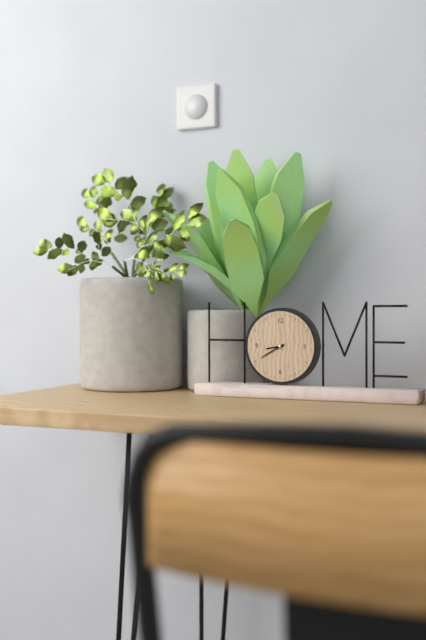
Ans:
8h40
